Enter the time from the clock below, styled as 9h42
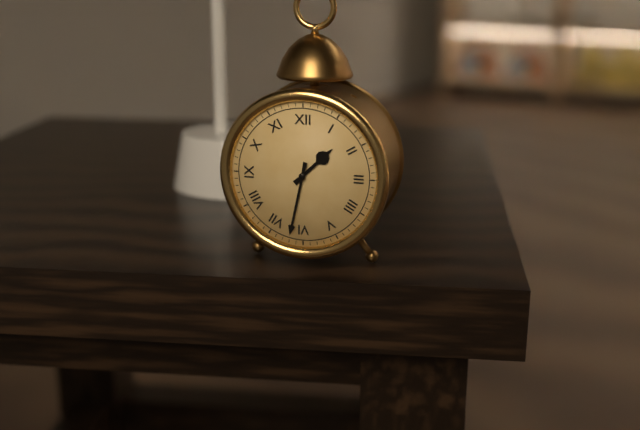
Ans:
1h32
